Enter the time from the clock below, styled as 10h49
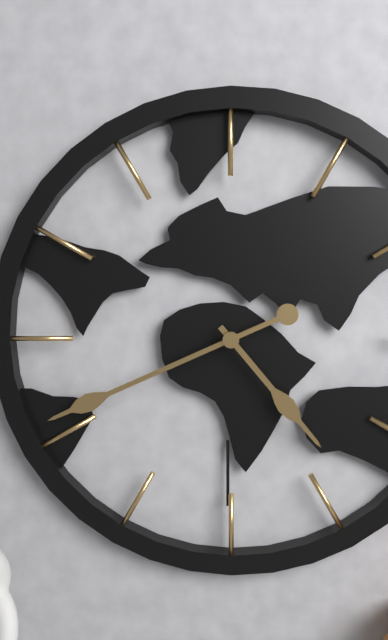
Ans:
4h41
